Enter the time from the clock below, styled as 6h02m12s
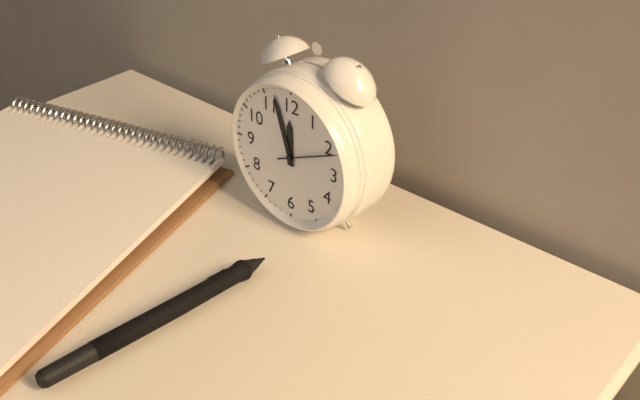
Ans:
11h57m11s
